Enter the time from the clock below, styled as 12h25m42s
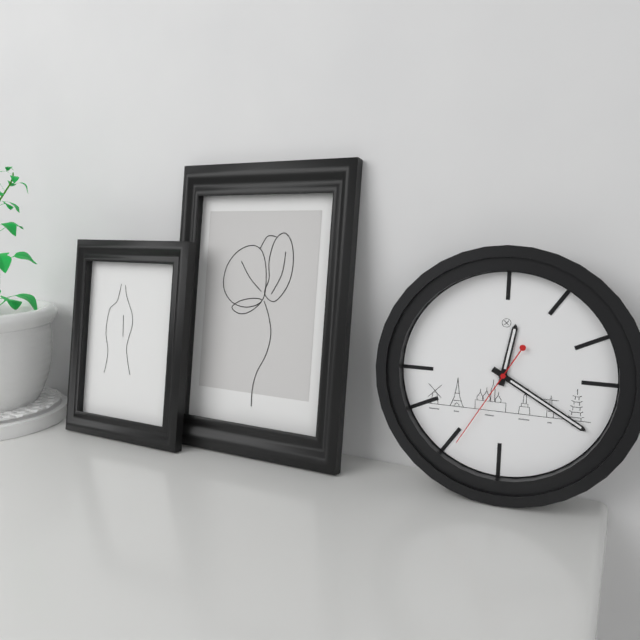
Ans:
12h20m35s
